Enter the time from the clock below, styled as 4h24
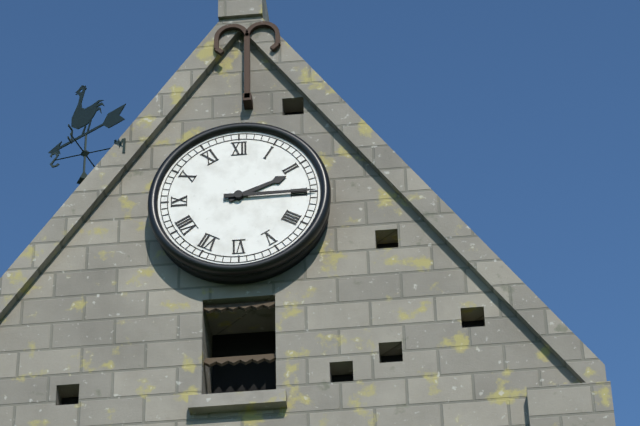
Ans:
2h15
